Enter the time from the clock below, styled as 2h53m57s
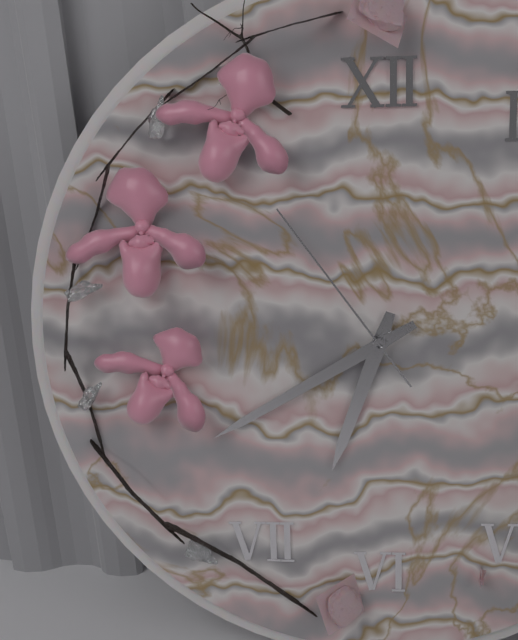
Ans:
6h40m54s
